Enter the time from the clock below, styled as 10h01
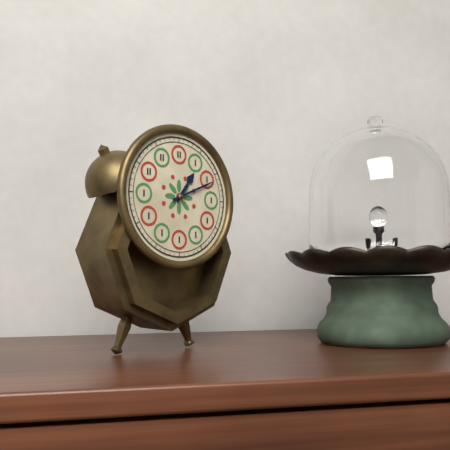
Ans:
1h11
